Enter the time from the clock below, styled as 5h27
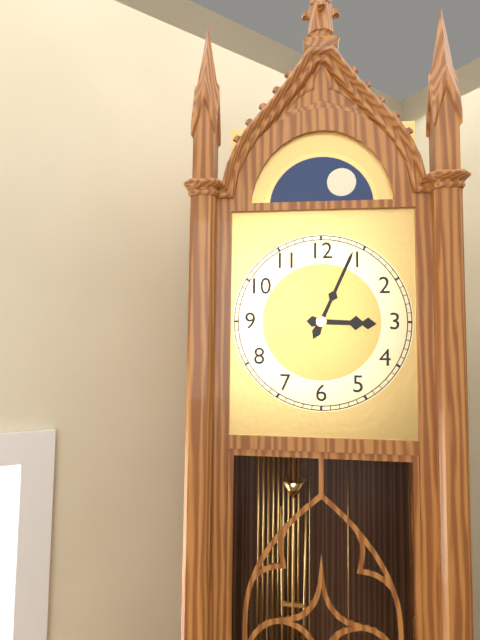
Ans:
3h04
